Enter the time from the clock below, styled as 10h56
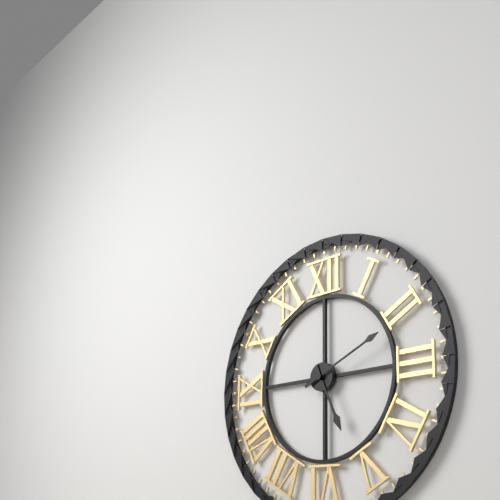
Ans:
5h11
